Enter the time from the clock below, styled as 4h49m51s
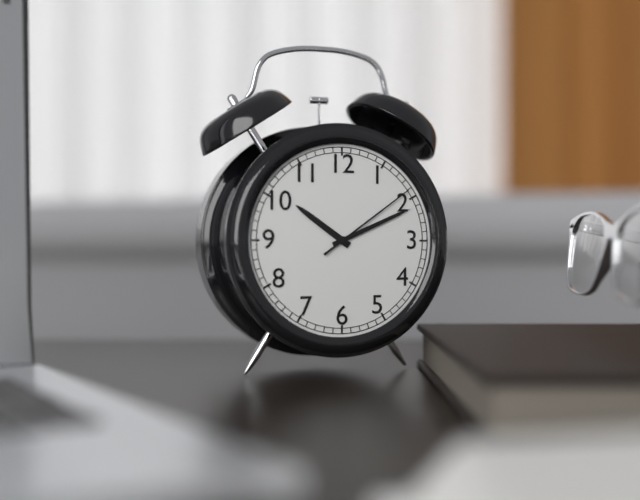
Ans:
10h11m09s
